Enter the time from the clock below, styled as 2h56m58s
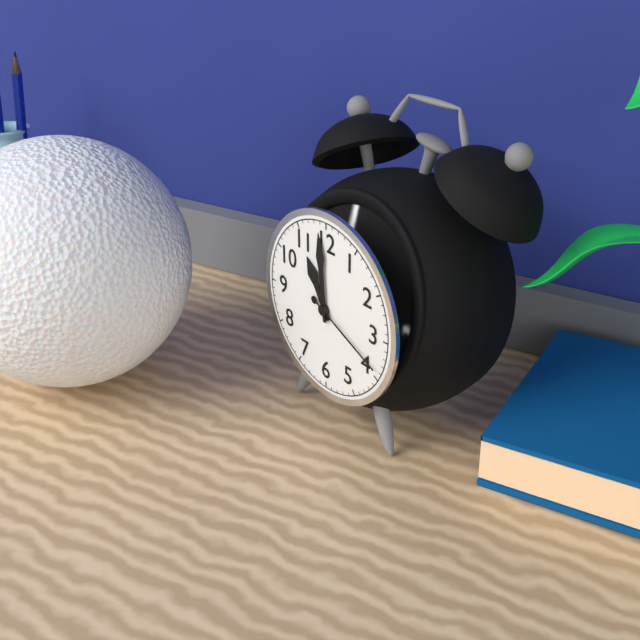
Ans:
10h59m19s
